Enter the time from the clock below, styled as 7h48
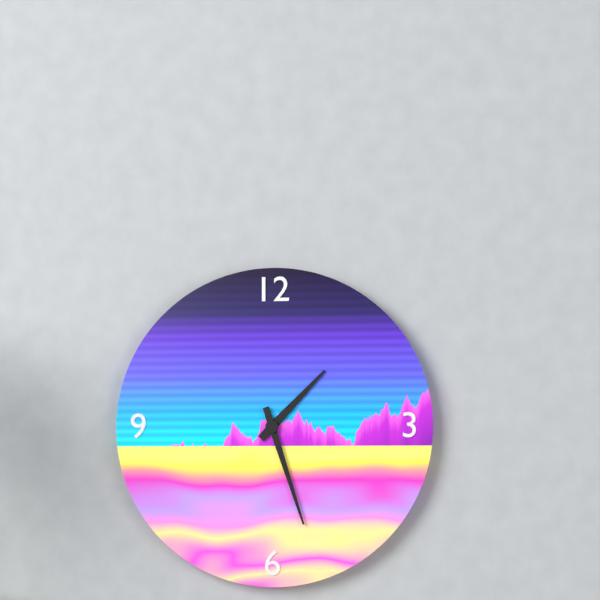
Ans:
1h27
